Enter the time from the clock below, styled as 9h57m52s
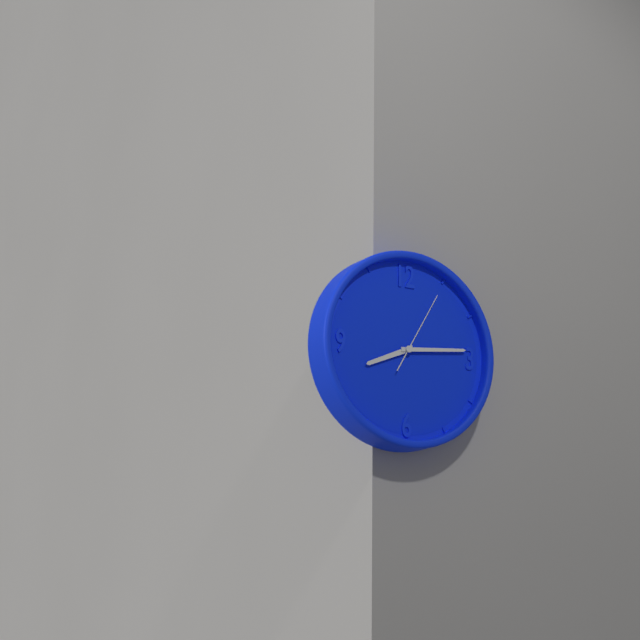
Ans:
8h14m05s
